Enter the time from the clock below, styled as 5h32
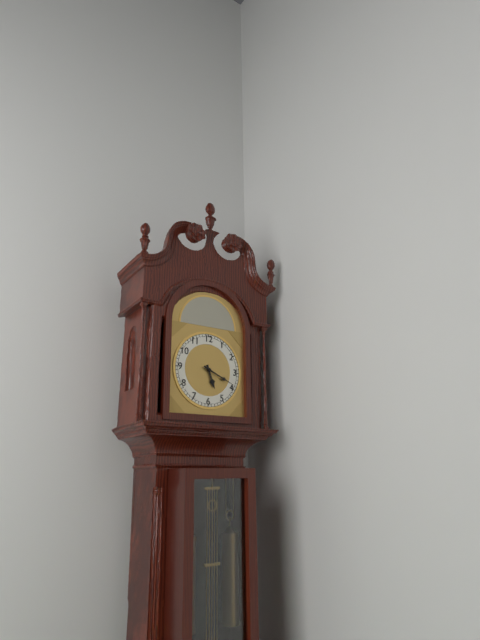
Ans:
5h19
